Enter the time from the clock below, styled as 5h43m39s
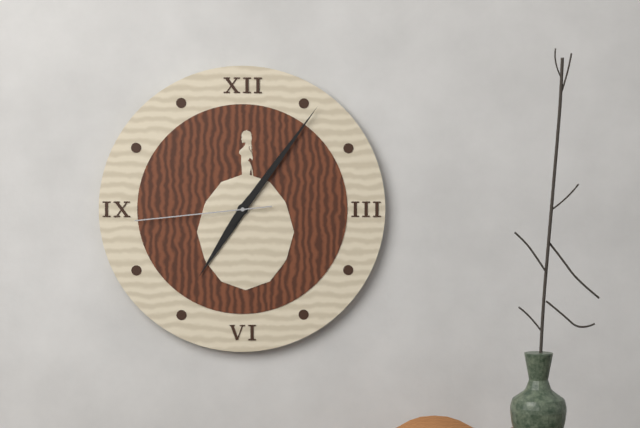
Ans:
7h06m44s
